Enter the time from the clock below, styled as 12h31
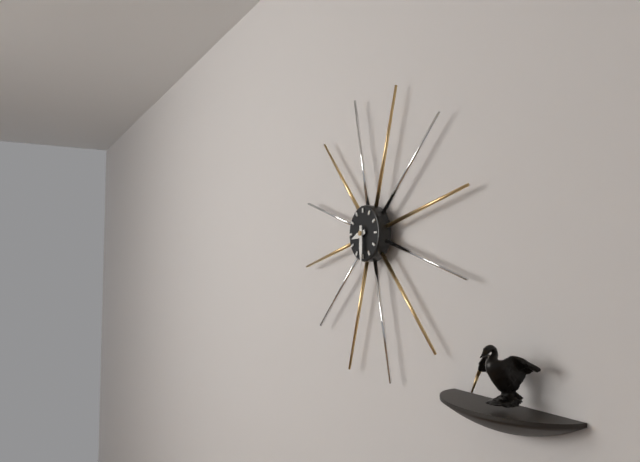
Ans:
8h30
